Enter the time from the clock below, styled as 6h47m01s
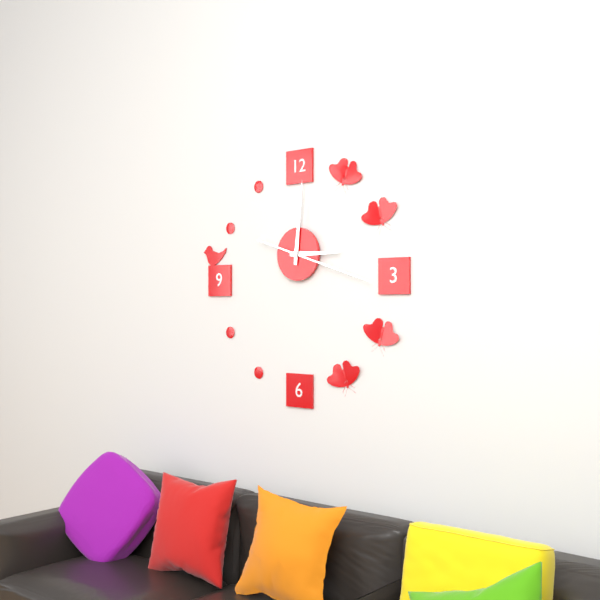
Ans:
3h01m18s
